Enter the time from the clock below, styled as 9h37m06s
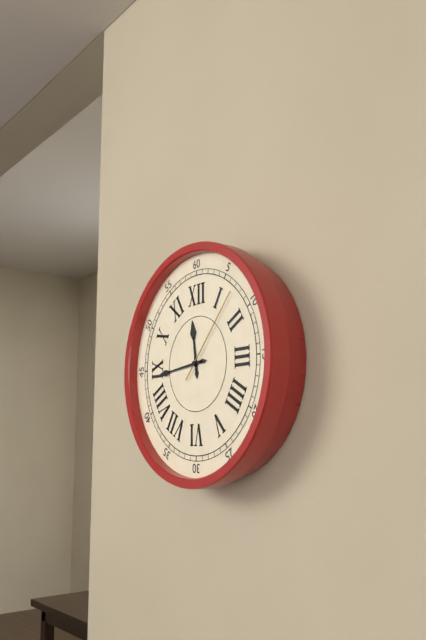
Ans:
11h44m07s
